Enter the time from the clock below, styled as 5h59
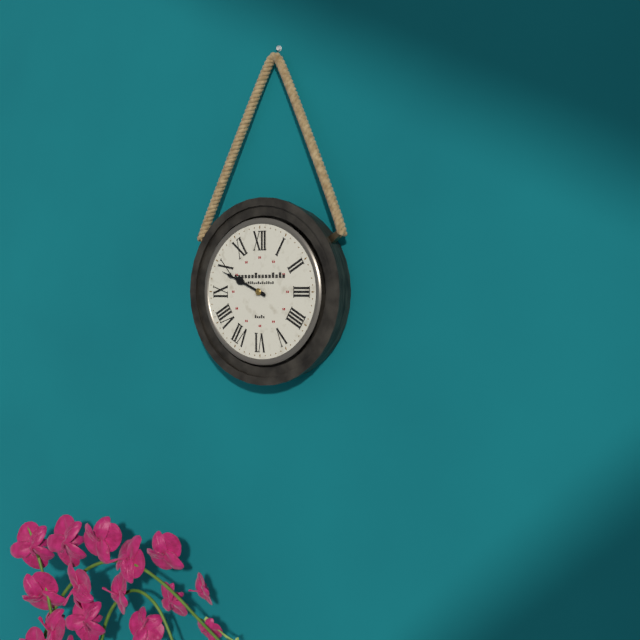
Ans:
9h49
